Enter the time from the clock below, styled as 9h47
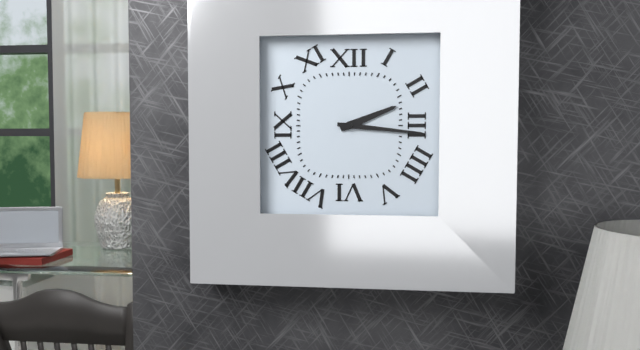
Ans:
2h16
